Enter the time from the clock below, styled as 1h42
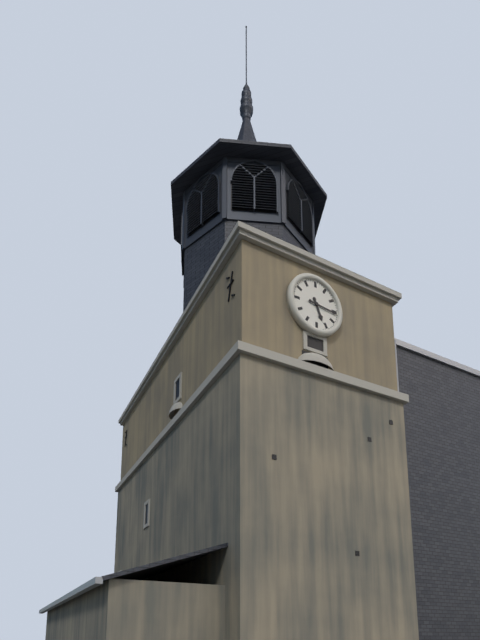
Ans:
5h16
